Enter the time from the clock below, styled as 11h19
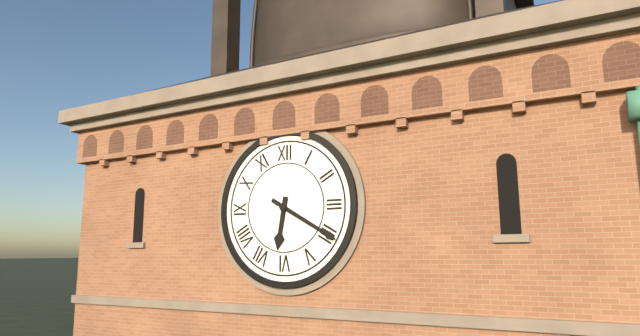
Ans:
6h20
